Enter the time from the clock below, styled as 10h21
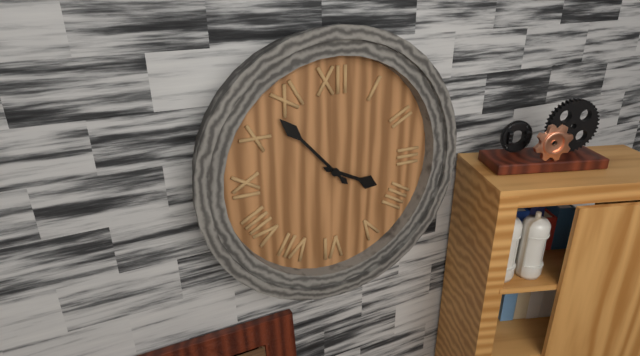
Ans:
3h53
